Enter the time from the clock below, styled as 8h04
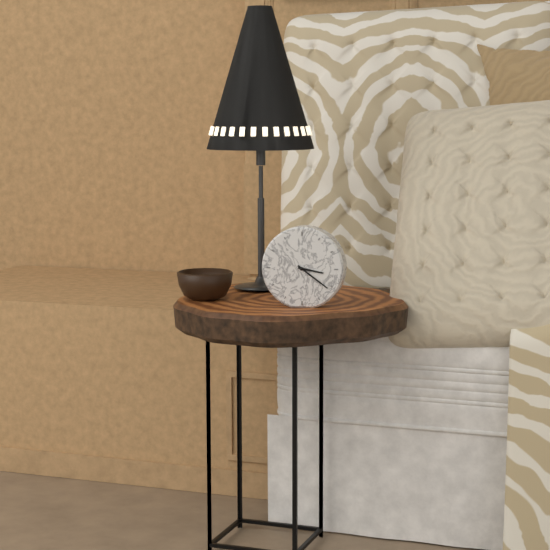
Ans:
3h21
